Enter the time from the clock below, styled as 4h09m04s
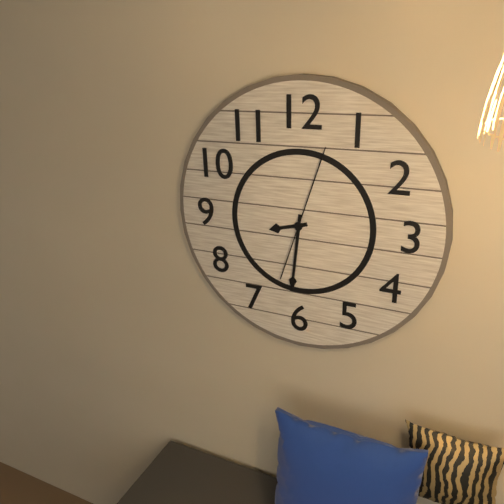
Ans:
8h31m03s
